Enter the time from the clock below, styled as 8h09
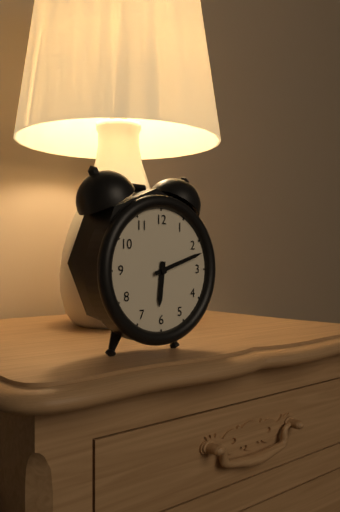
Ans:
6h12
